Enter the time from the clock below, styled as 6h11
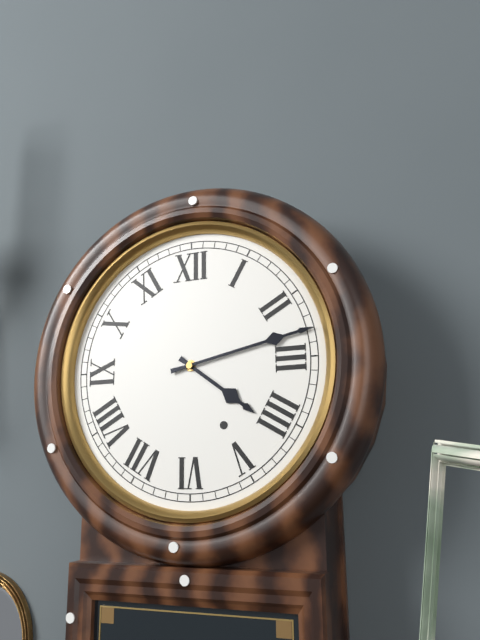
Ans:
4h13
